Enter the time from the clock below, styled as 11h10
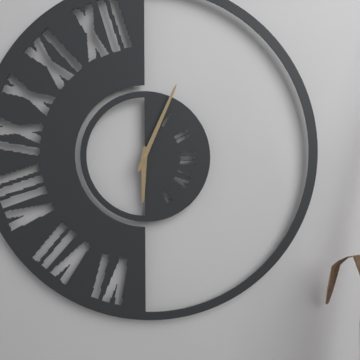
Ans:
6h04
